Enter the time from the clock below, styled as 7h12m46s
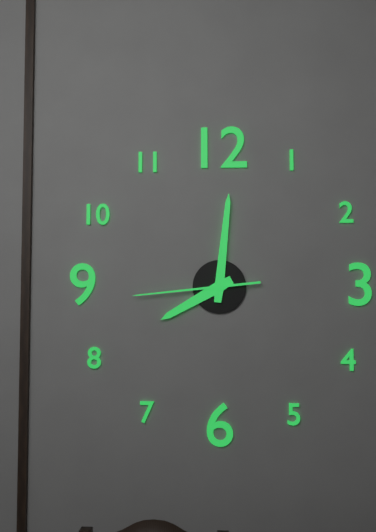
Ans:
8h01m44s
